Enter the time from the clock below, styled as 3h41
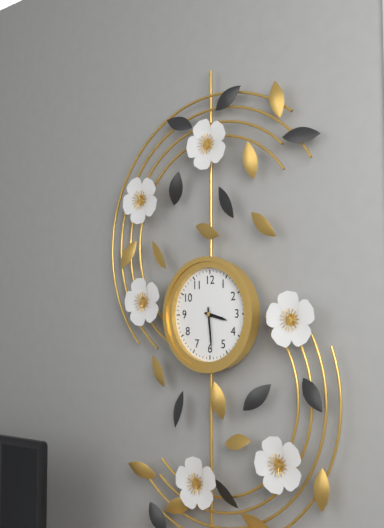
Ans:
3h29
